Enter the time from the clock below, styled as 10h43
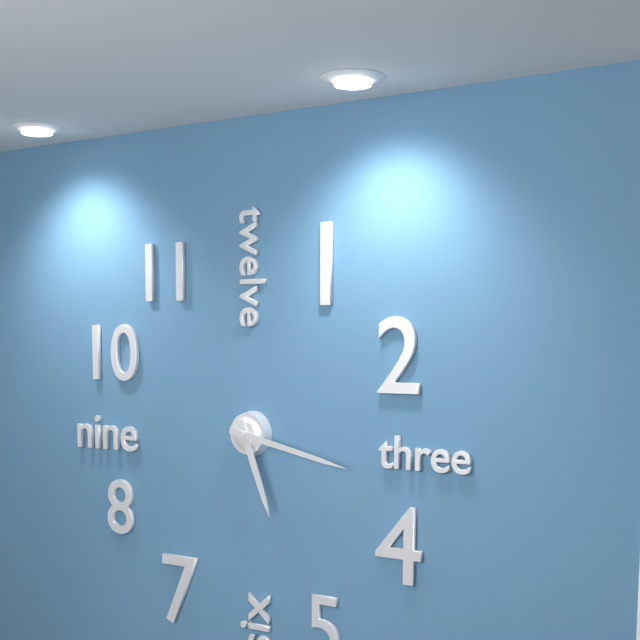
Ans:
5h17
